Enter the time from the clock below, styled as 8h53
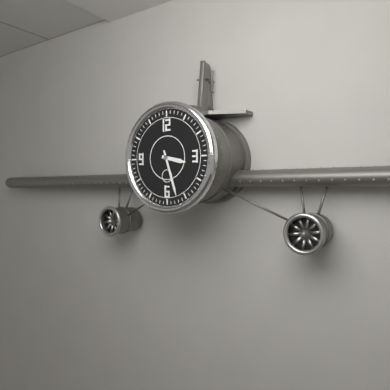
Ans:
3h27
